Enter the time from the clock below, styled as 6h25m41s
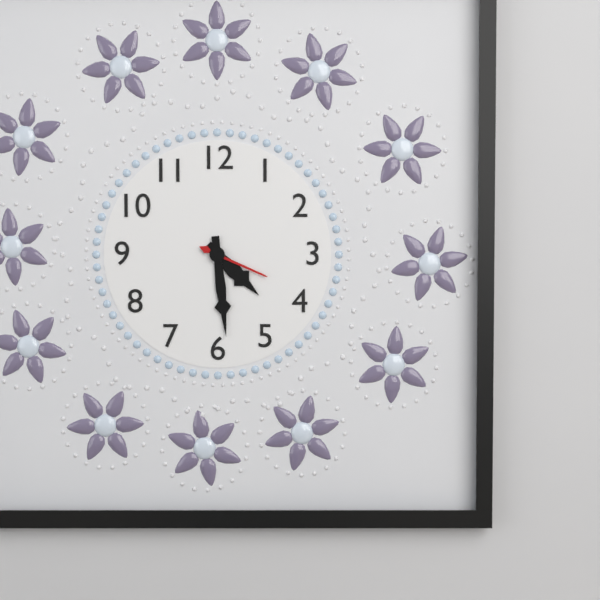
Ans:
4h29m19s
